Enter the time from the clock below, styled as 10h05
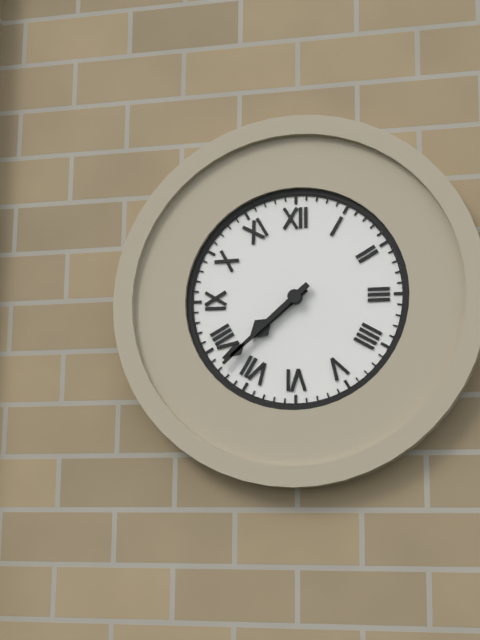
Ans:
7h38
